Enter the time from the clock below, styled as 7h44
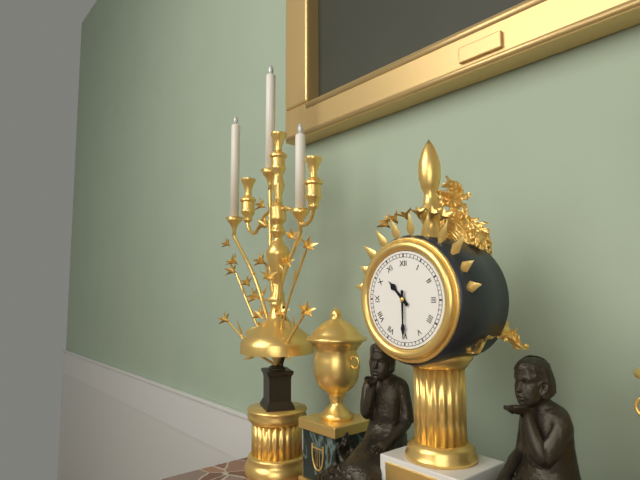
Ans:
10h30
